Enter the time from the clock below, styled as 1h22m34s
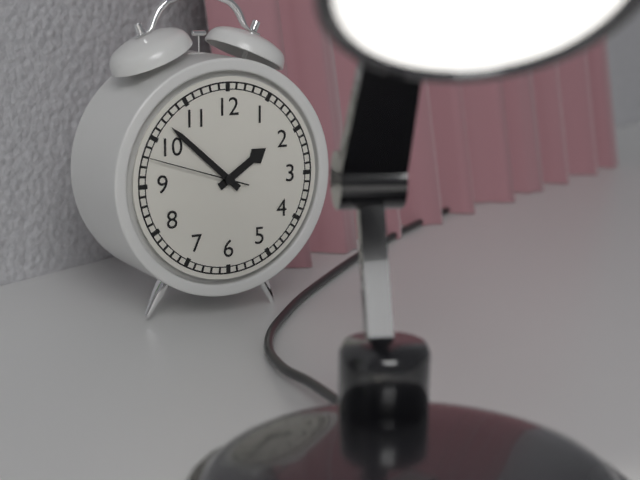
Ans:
1h52m48s
